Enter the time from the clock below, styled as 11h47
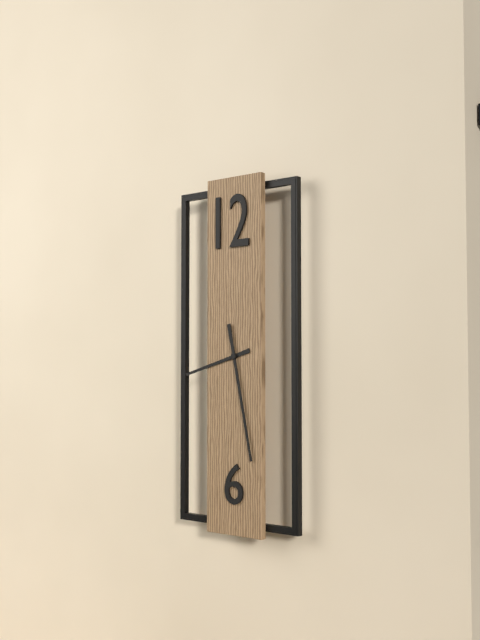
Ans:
8h28
